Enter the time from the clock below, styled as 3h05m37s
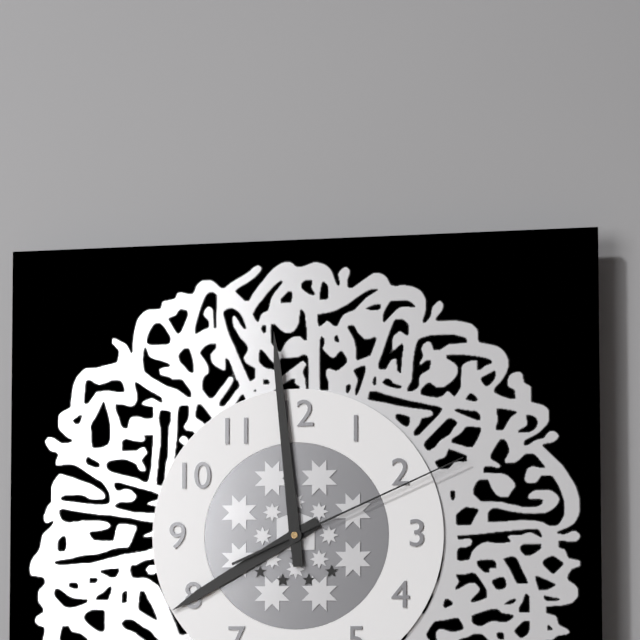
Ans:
7h59m11s
